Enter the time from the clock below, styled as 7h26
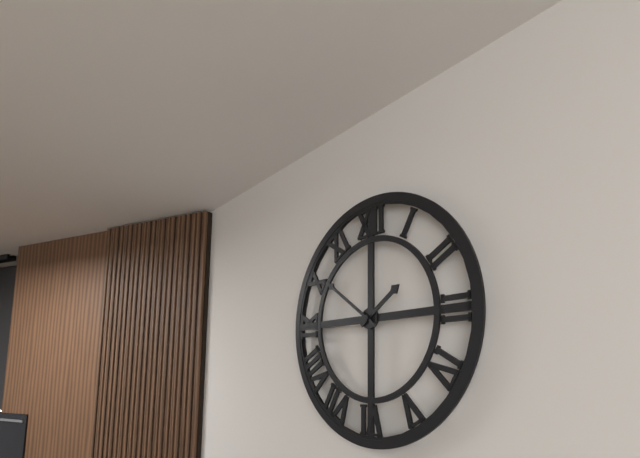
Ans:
1h51
